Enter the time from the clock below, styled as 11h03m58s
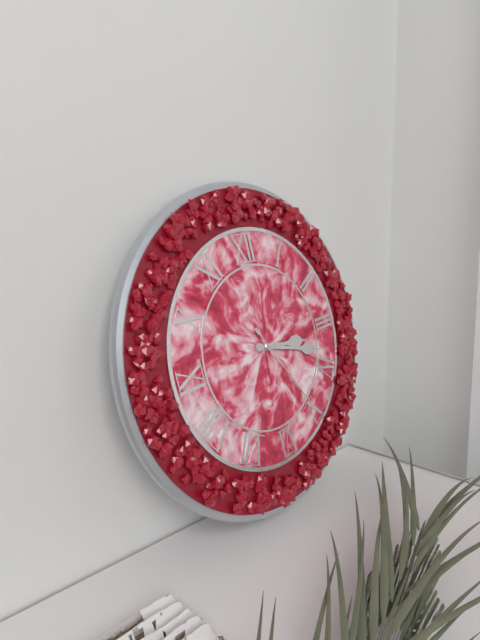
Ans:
3h18m25s
